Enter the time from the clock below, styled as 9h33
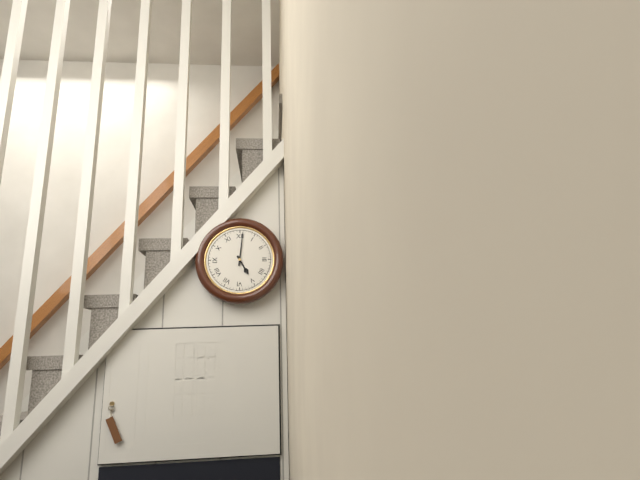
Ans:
5h01
